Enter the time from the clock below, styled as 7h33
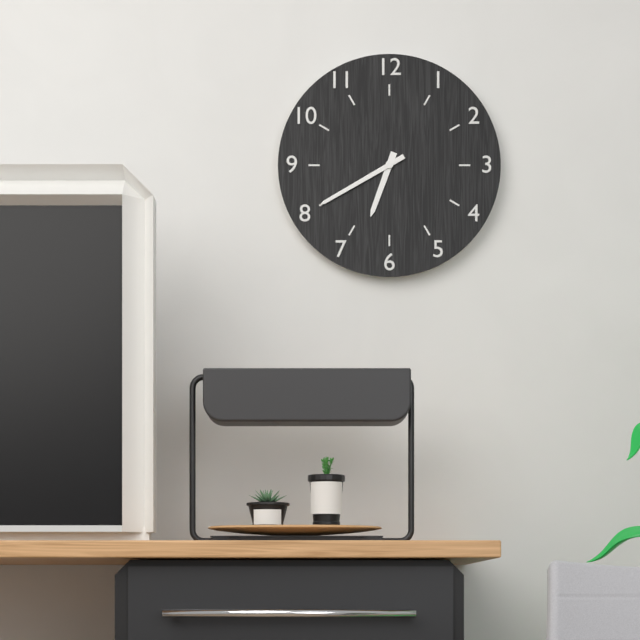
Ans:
6h40
